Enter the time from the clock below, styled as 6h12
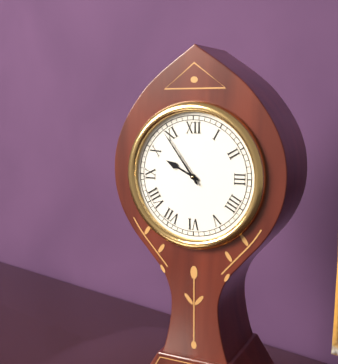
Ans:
9h54
